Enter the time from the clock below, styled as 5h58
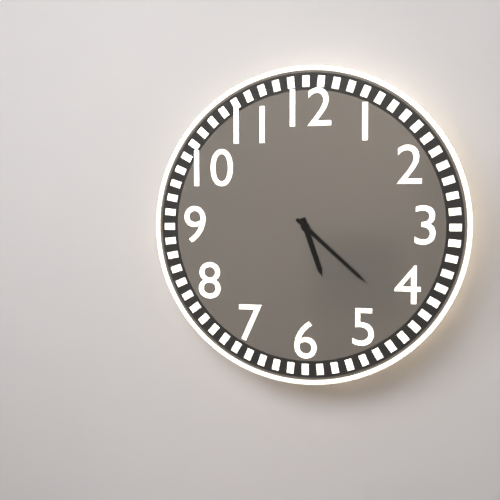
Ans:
5h22
